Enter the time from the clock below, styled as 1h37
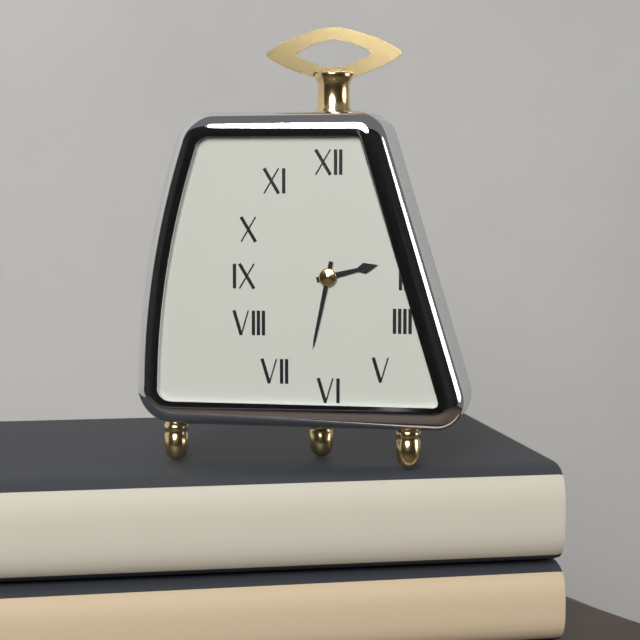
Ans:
2h32
